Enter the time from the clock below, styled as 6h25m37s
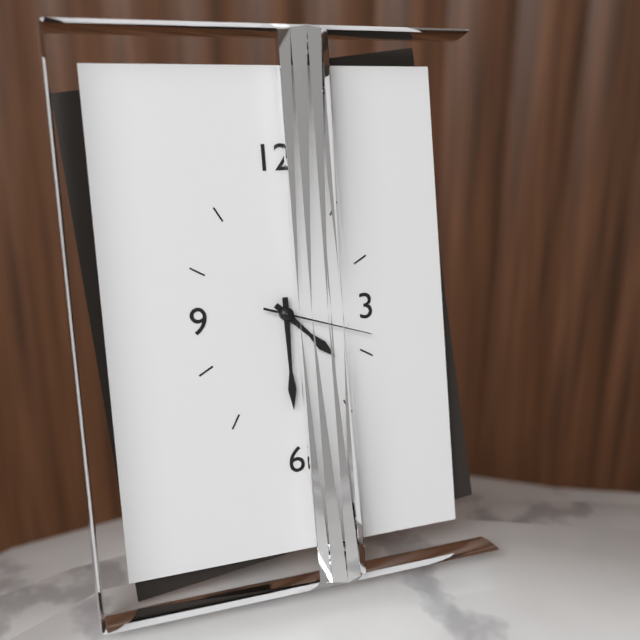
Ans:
4h30m18s
